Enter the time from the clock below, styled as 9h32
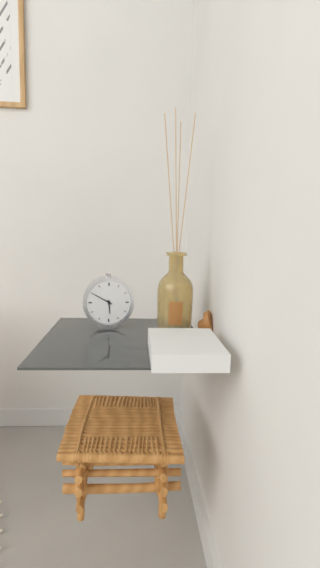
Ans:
5h50
